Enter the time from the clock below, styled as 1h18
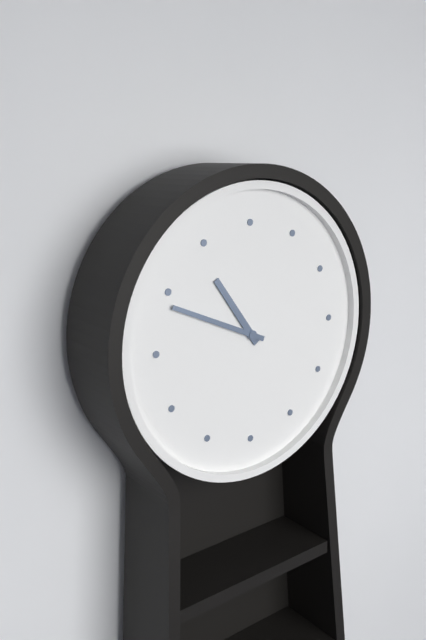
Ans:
10h49
